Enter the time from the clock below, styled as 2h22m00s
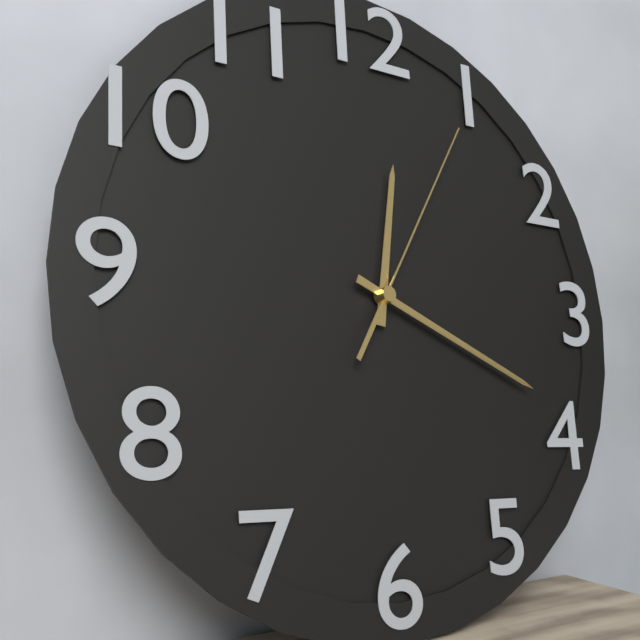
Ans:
12h19m05s
